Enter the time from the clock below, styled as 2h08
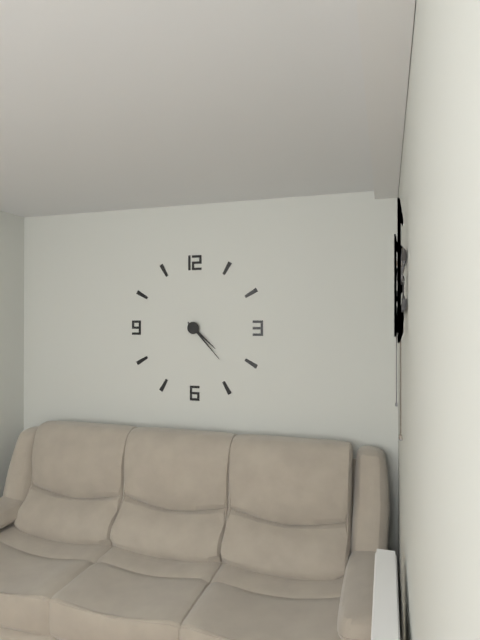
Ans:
4h23
